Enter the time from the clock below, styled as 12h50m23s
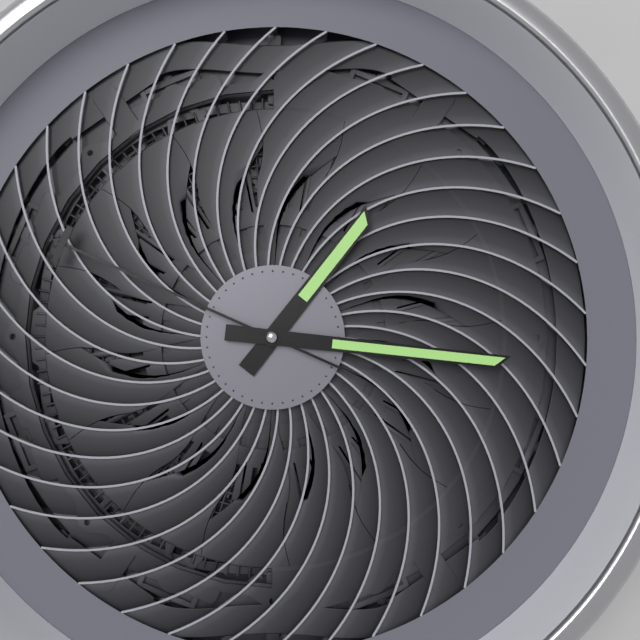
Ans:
1h16m49s
